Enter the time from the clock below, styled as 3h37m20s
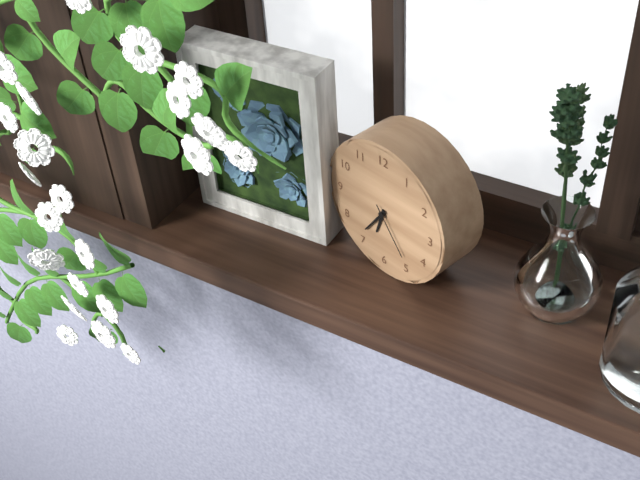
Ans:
6h36m24s
